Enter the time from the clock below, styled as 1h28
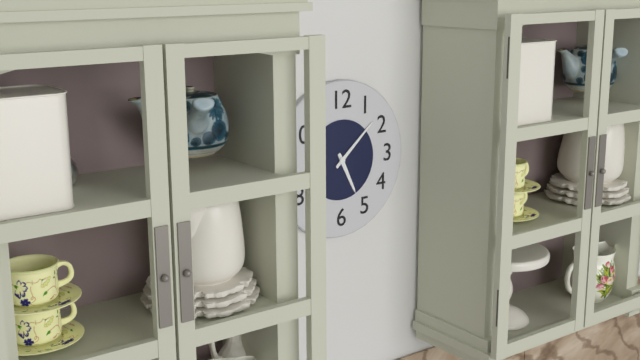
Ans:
5h08
